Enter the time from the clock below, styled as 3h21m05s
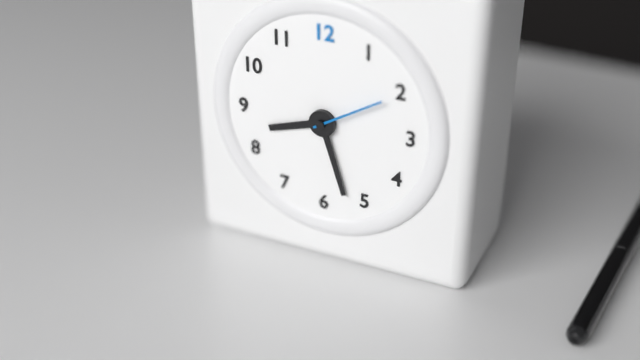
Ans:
8h27m10s
